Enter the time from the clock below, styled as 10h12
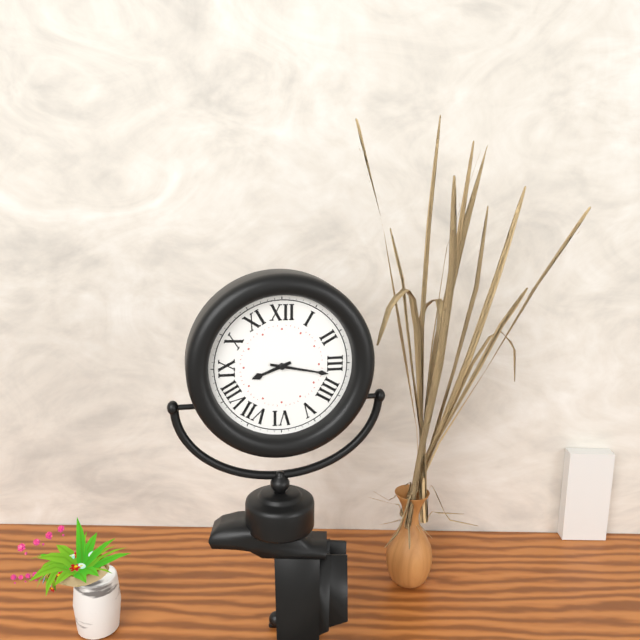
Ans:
8h17
